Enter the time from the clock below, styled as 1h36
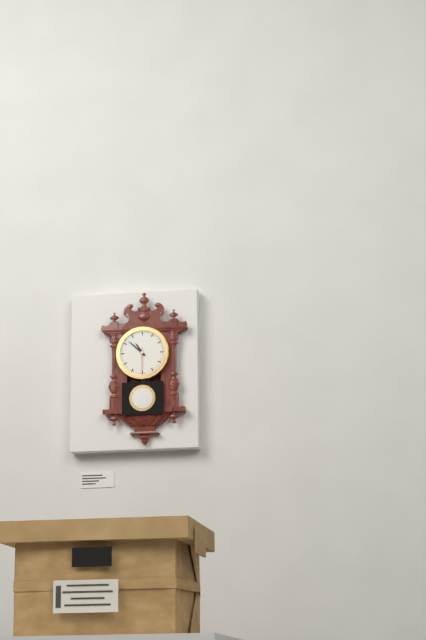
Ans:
10h52
